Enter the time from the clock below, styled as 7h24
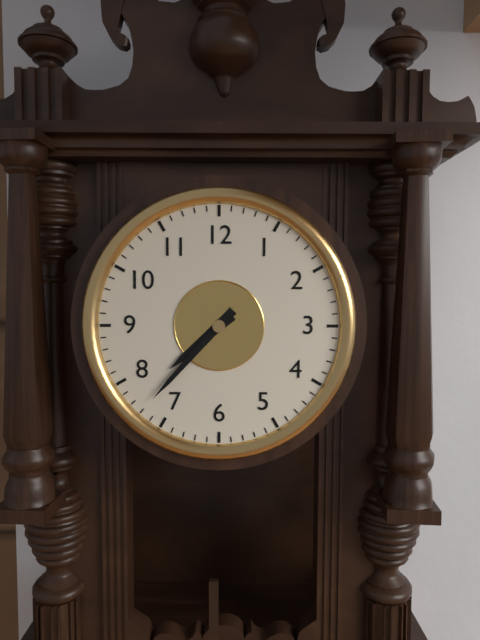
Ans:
7h37
